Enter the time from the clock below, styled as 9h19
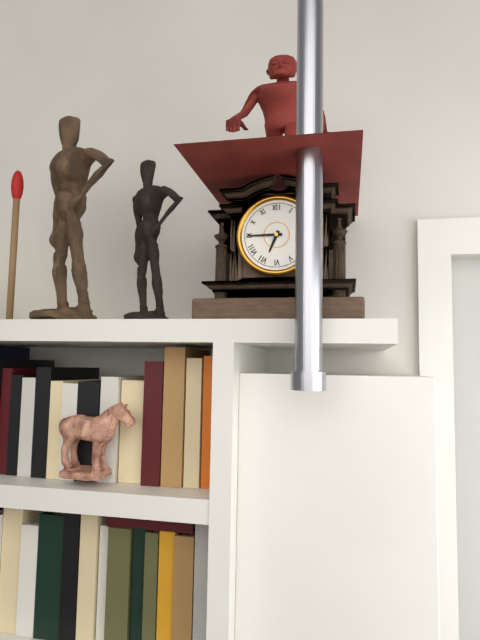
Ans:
6h45
